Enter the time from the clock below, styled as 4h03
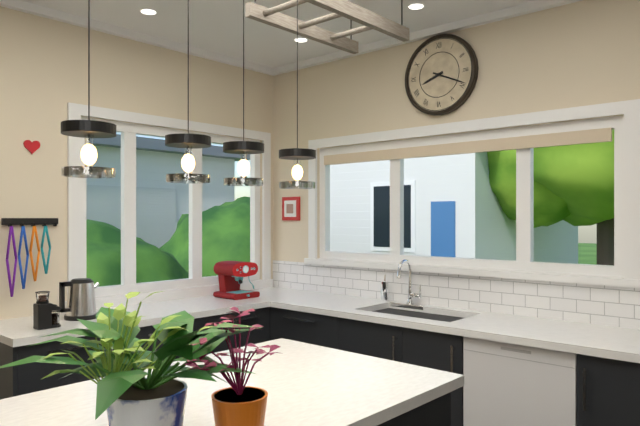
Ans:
8h19
